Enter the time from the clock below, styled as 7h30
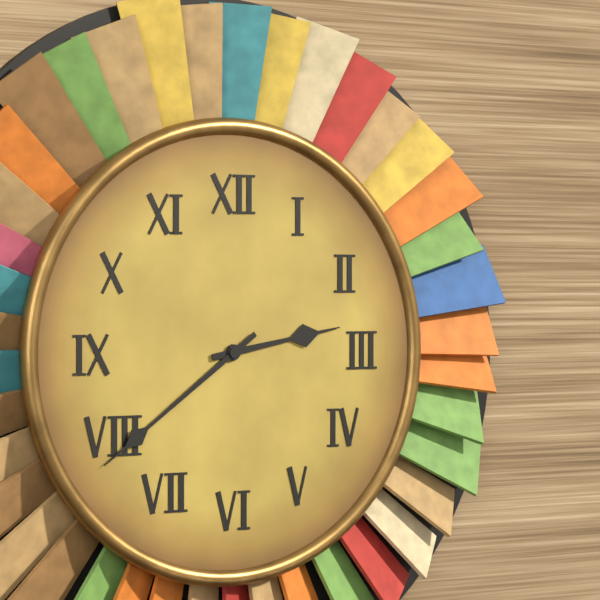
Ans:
2h39
